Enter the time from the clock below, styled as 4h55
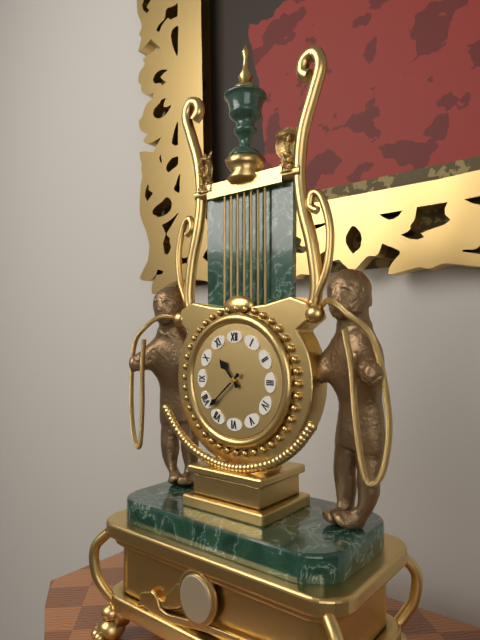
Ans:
10h38
